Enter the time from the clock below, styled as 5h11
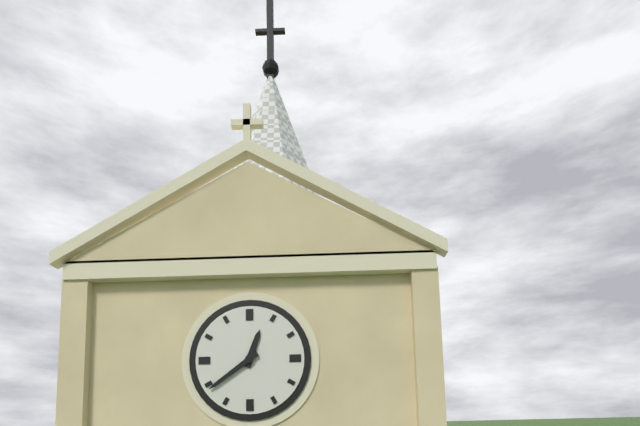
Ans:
12h39
